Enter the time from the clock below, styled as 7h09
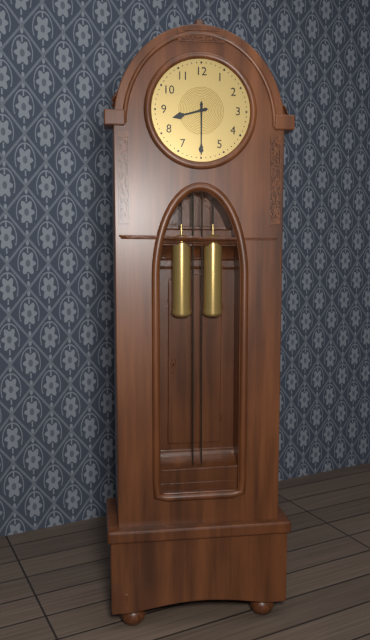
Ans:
8h30
